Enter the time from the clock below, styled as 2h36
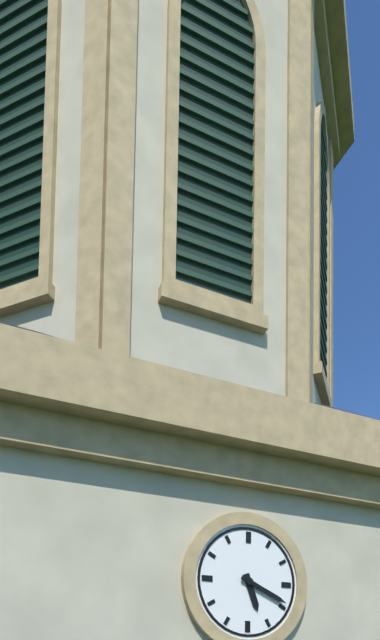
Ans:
5h19
